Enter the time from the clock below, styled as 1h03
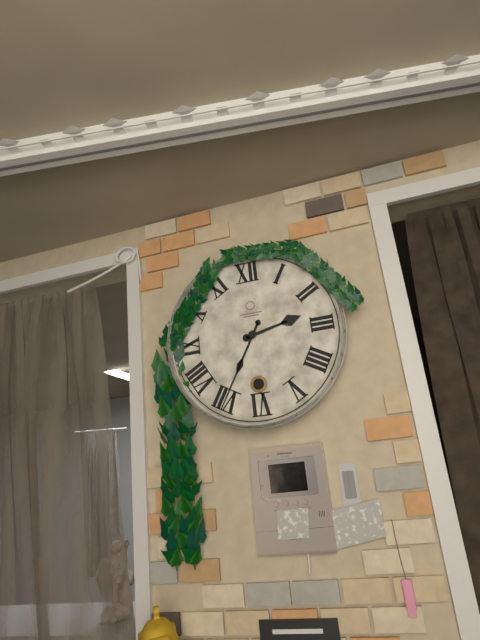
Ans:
2h35
